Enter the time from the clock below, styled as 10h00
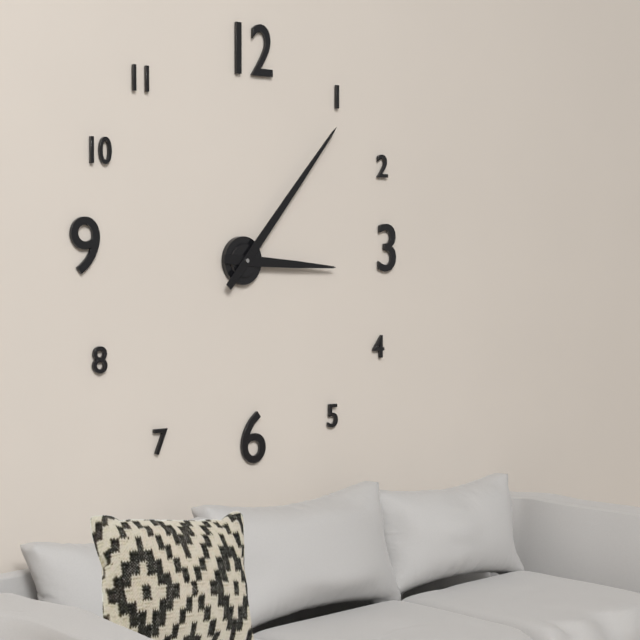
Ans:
3h07
